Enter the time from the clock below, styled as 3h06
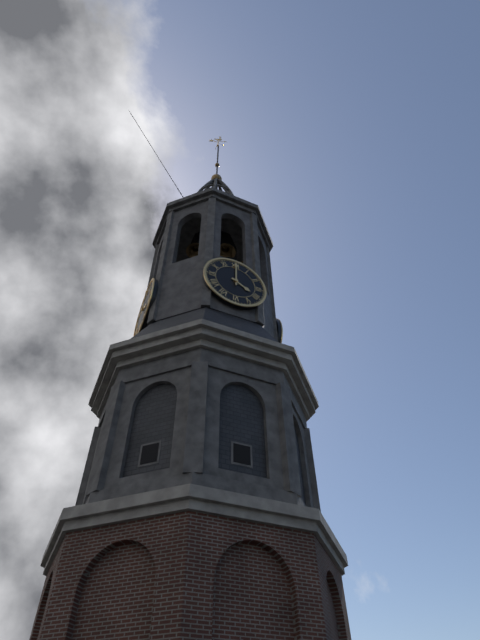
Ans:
4h00
